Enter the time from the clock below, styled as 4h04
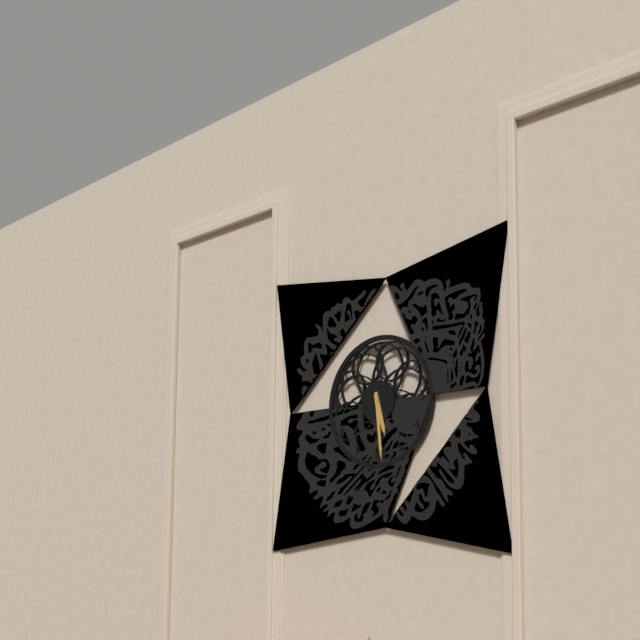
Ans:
5h29
